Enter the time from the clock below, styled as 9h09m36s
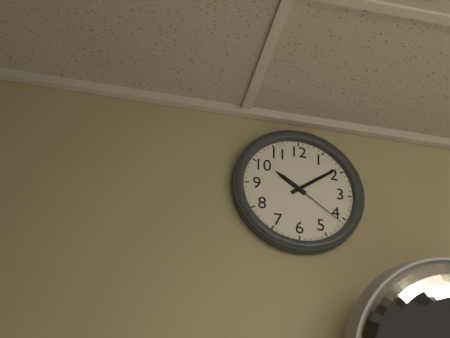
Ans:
10h09m21s
